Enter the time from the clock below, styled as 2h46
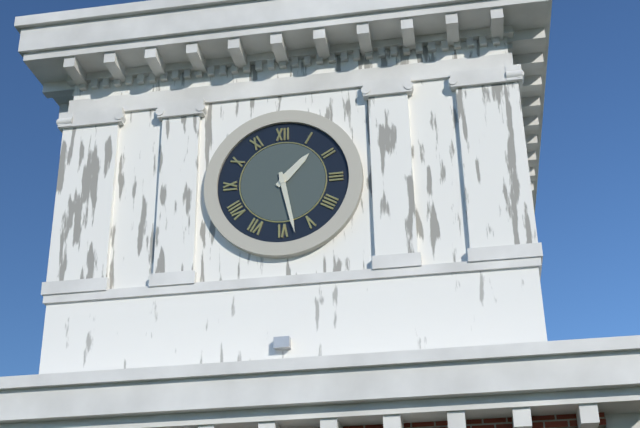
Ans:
1h28
